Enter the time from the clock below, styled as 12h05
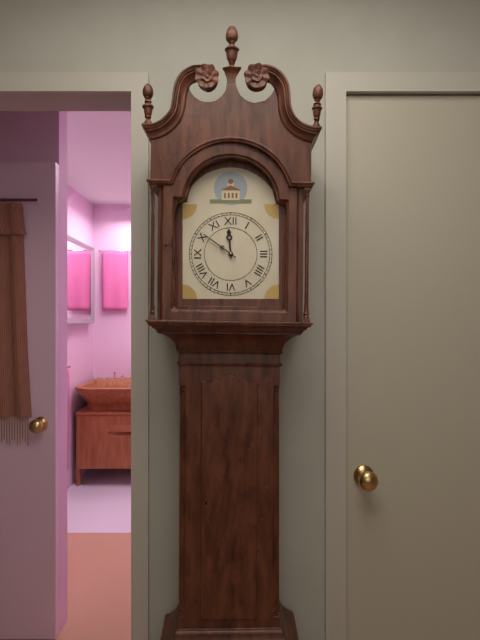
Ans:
11h51
